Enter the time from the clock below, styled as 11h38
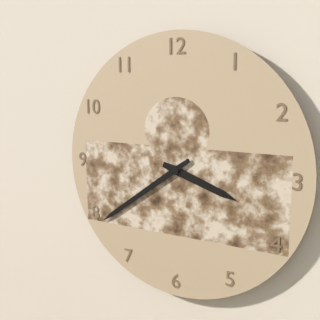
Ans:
3h39
